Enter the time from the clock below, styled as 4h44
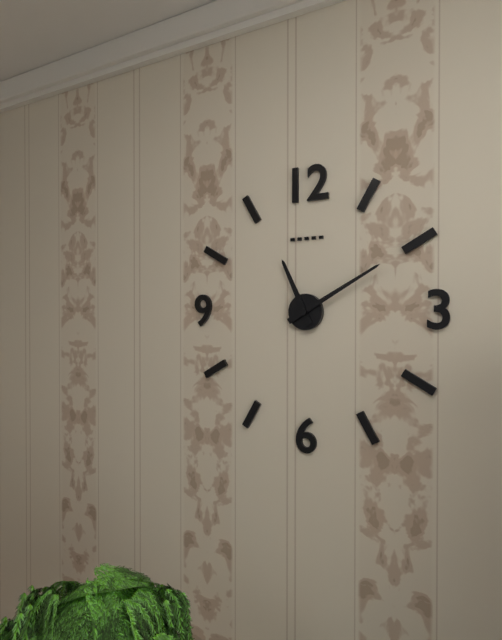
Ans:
11h10
